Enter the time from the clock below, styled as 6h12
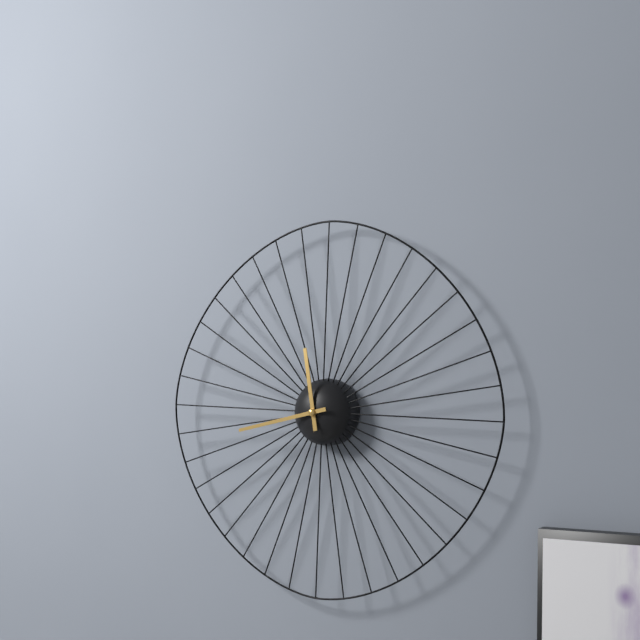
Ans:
11h43
